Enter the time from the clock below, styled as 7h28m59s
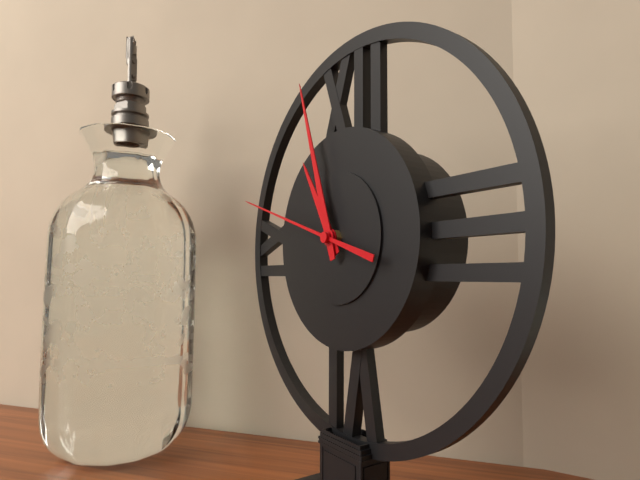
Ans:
10h57m48s
